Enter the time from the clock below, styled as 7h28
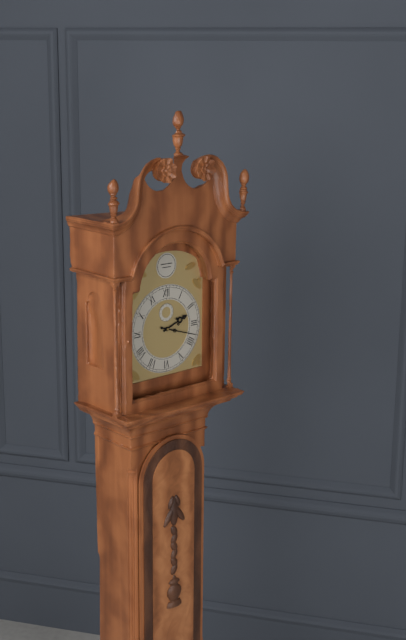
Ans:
2h18
